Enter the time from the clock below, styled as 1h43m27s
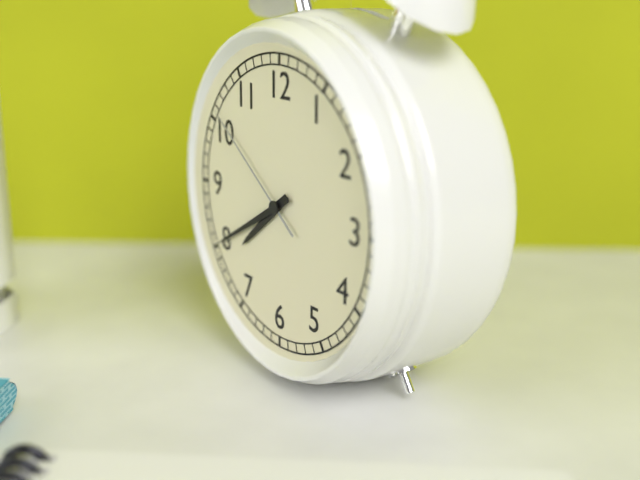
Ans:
7h40m51s
